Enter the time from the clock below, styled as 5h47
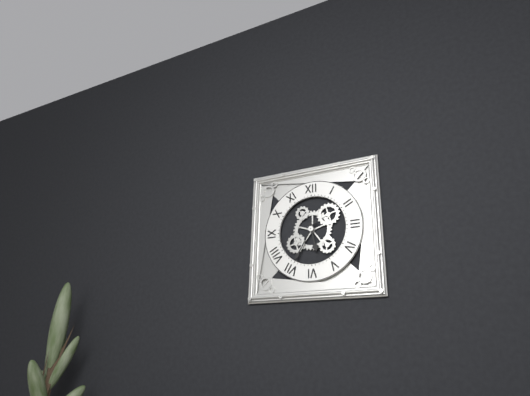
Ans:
5h35
